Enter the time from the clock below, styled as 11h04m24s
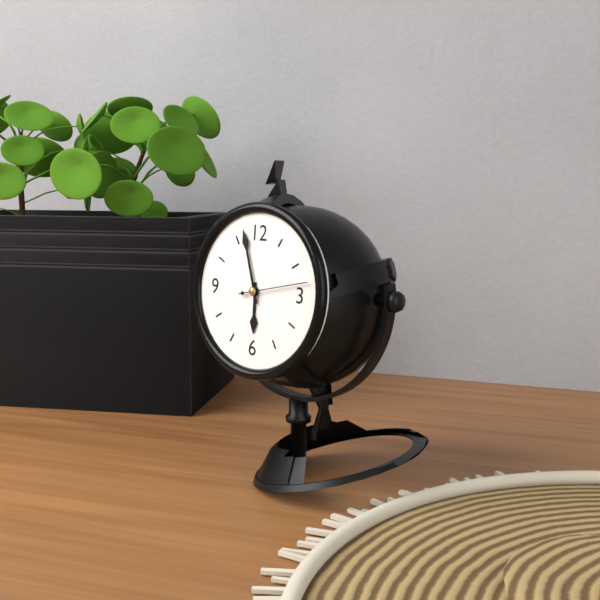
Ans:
5h57m13s
